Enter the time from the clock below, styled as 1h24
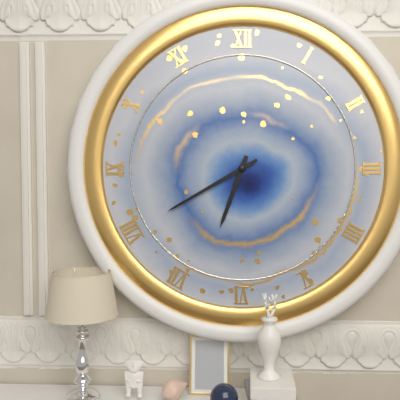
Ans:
6h40
